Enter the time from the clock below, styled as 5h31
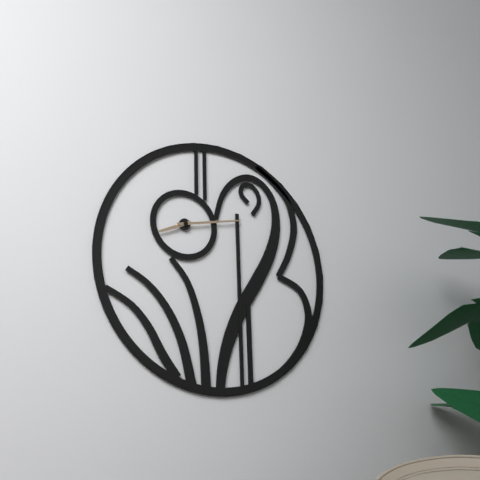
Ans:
8h13
